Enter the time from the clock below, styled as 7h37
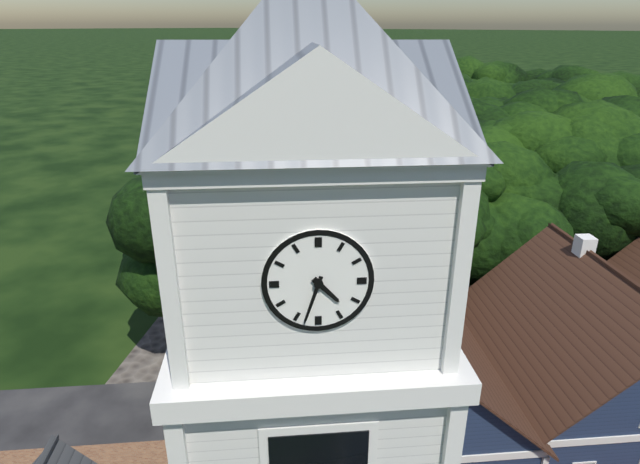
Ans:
4h33
